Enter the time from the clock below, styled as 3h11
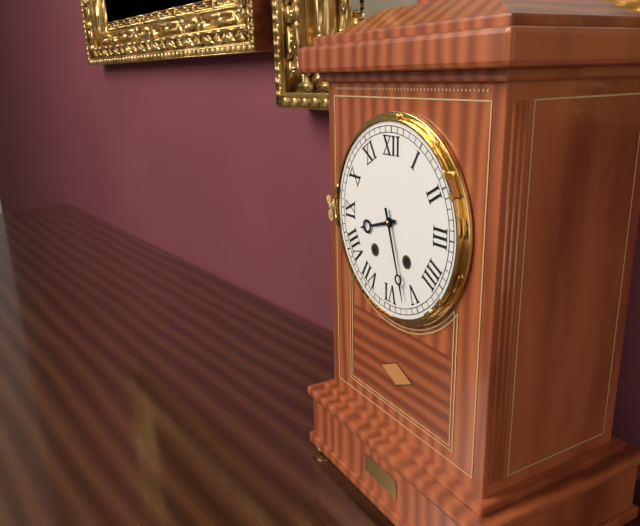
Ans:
8h27
